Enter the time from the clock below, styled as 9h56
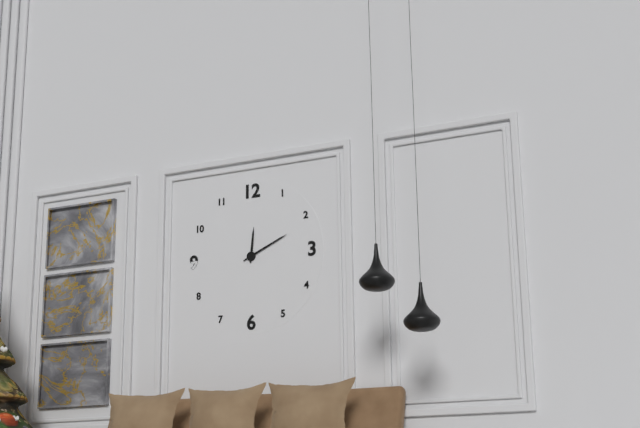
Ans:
12h11
